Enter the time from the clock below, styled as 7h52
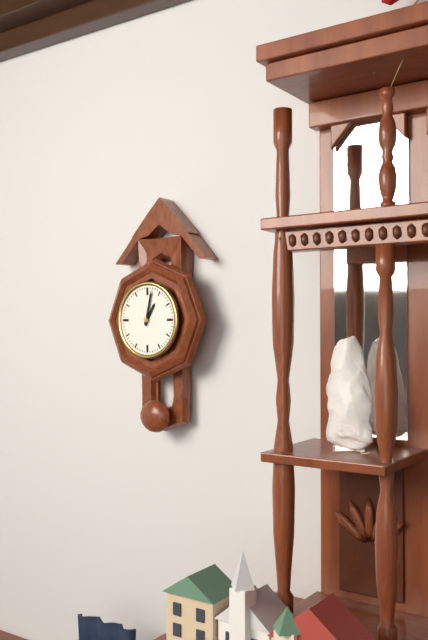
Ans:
1h02
